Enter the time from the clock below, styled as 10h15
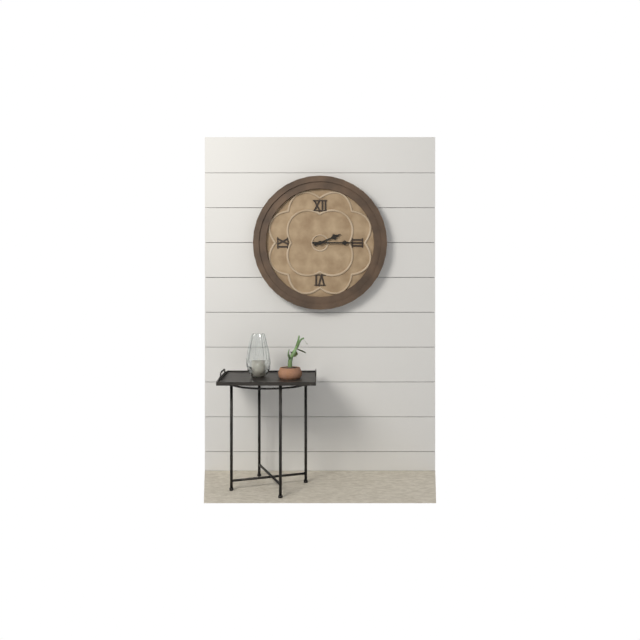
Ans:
2h15
